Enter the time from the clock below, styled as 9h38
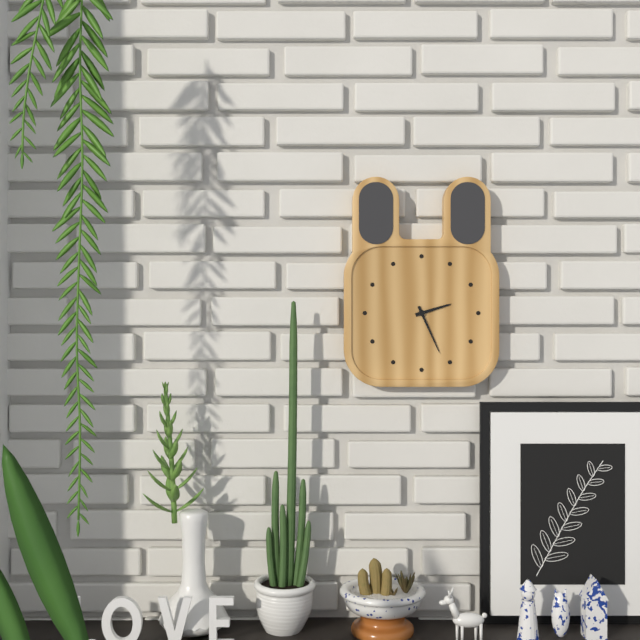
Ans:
2h26
